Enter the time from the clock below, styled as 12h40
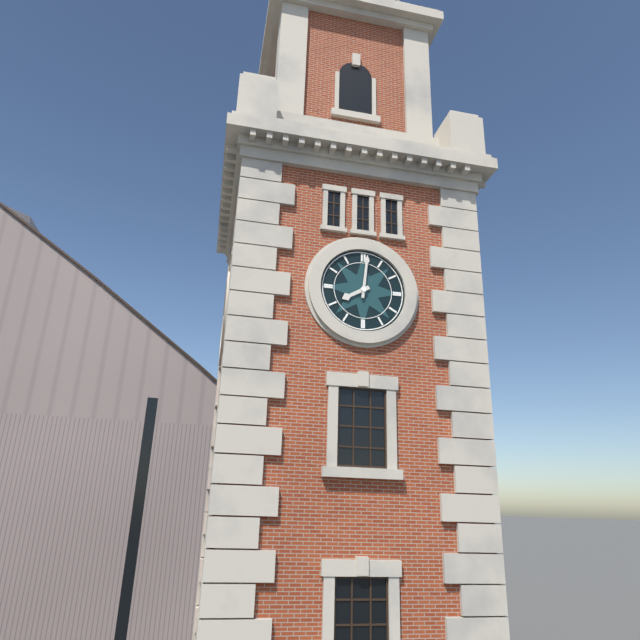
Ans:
8h01
